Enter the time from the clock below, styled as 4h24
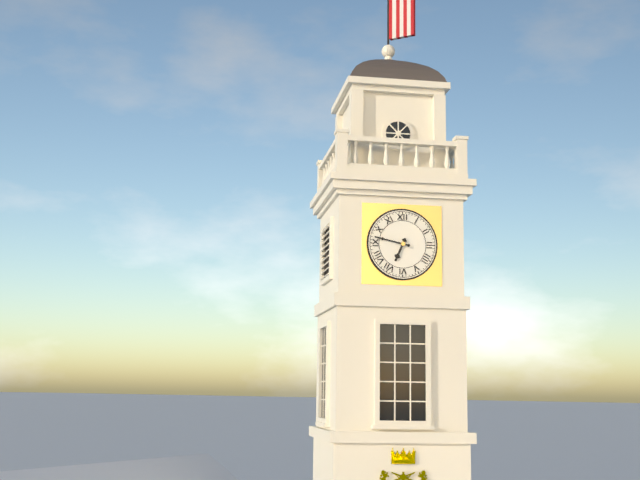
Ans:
6h47
